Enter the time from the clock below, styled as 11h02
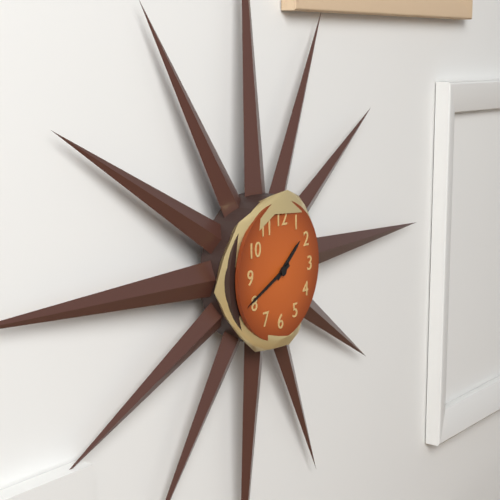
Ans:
1h41
